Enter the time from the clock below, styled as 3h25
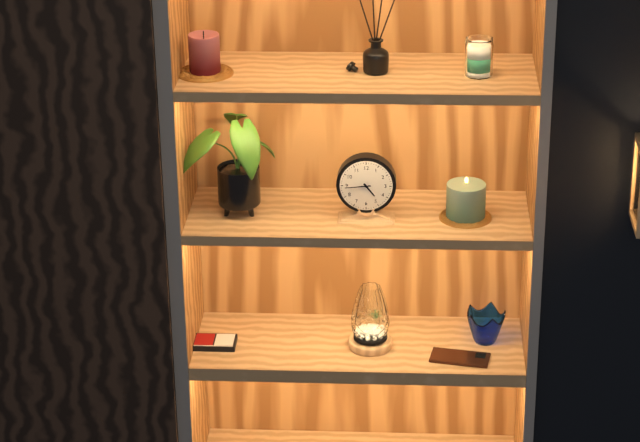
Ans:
4h44
